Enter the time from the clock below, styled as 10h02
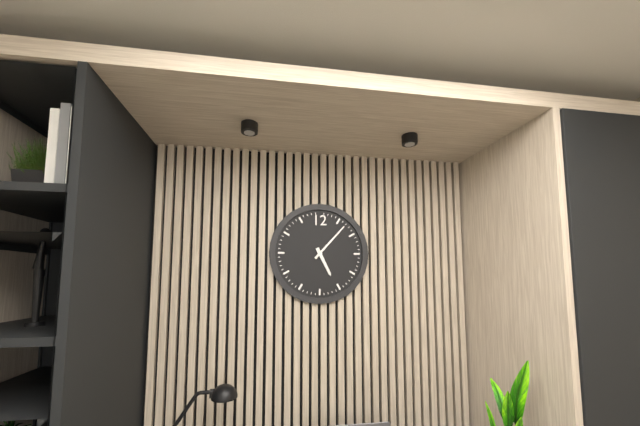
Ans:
5h07
